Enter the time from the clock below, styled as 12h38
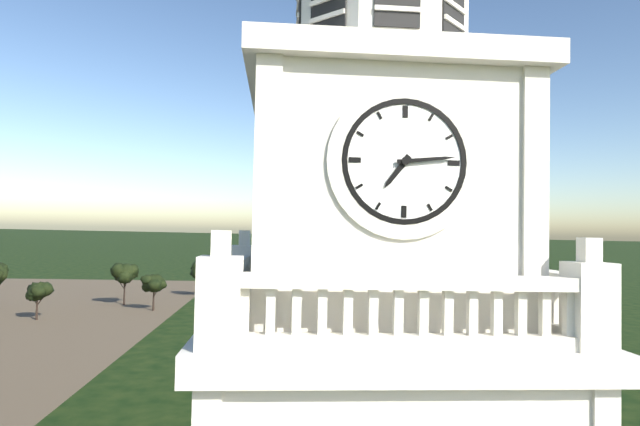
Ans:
7h14
